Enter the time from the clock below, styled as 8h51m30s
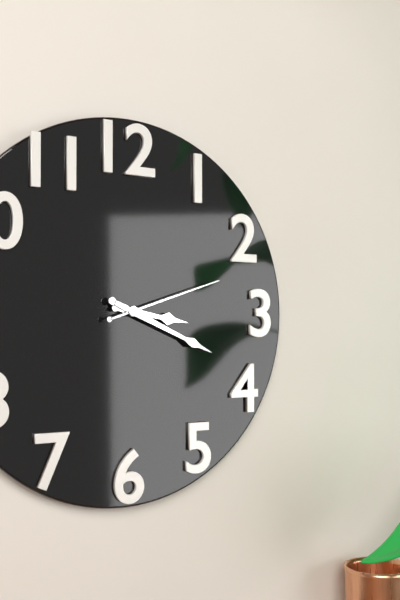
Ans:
3h19m12s
